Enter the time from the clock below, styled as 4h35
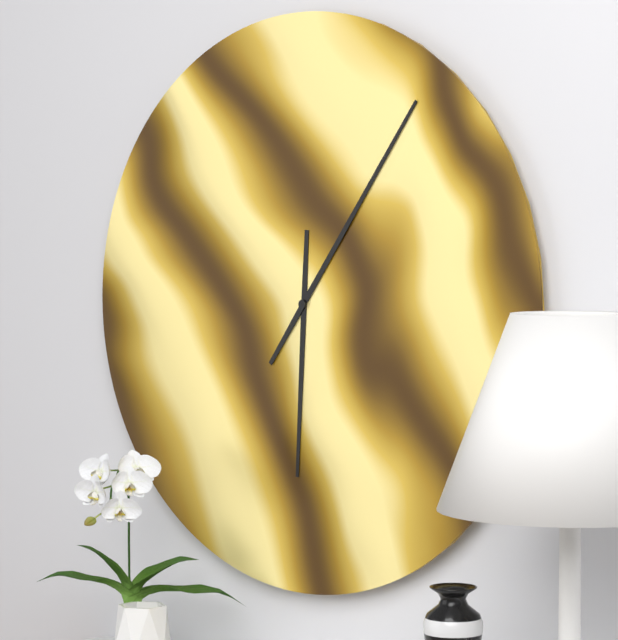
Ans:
6h06
